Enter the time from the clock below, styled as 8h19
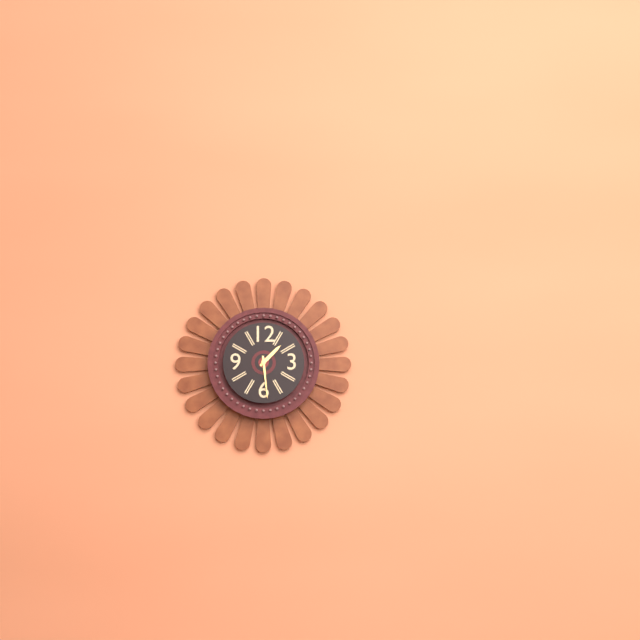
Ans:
1h29
